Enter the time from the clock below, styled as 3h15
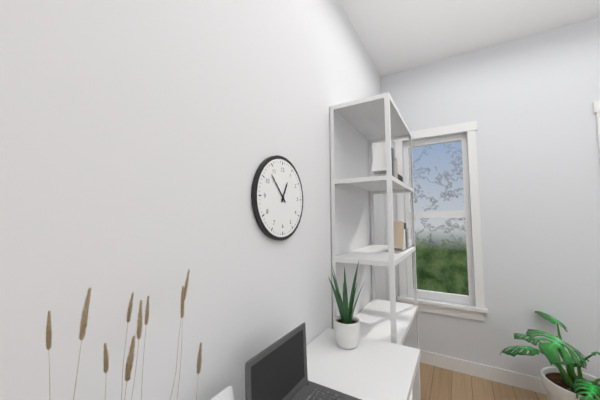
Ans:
12h53
